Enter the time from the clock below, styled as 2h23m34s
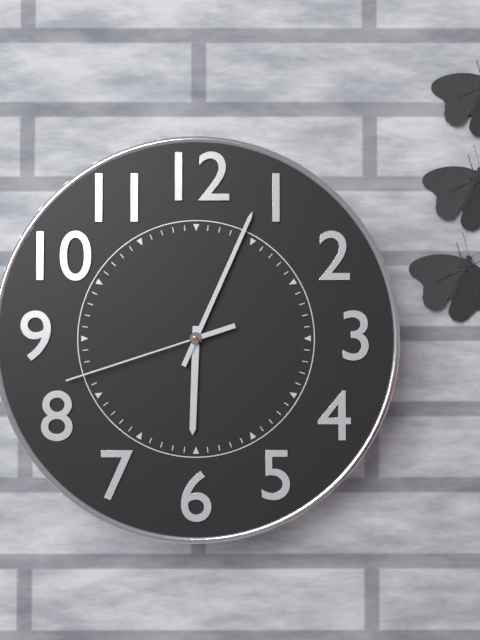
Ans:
6h04m42s
